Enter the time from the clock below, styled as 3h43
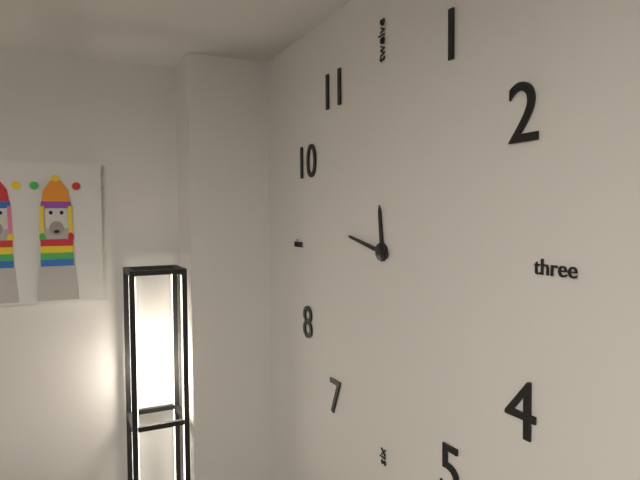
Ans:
11h47
